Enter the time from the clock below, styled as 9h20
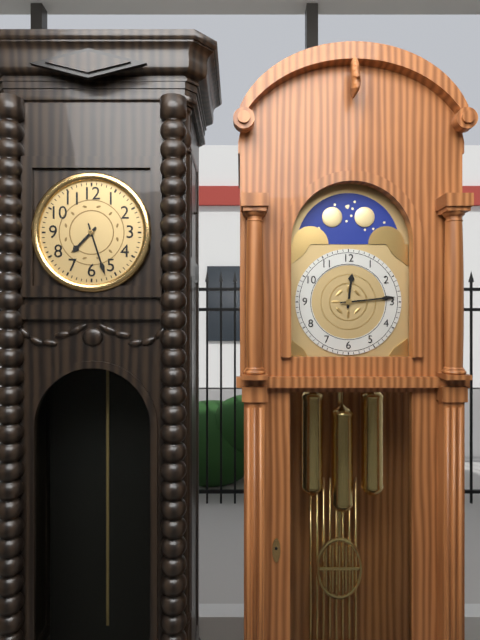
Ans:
7h27
